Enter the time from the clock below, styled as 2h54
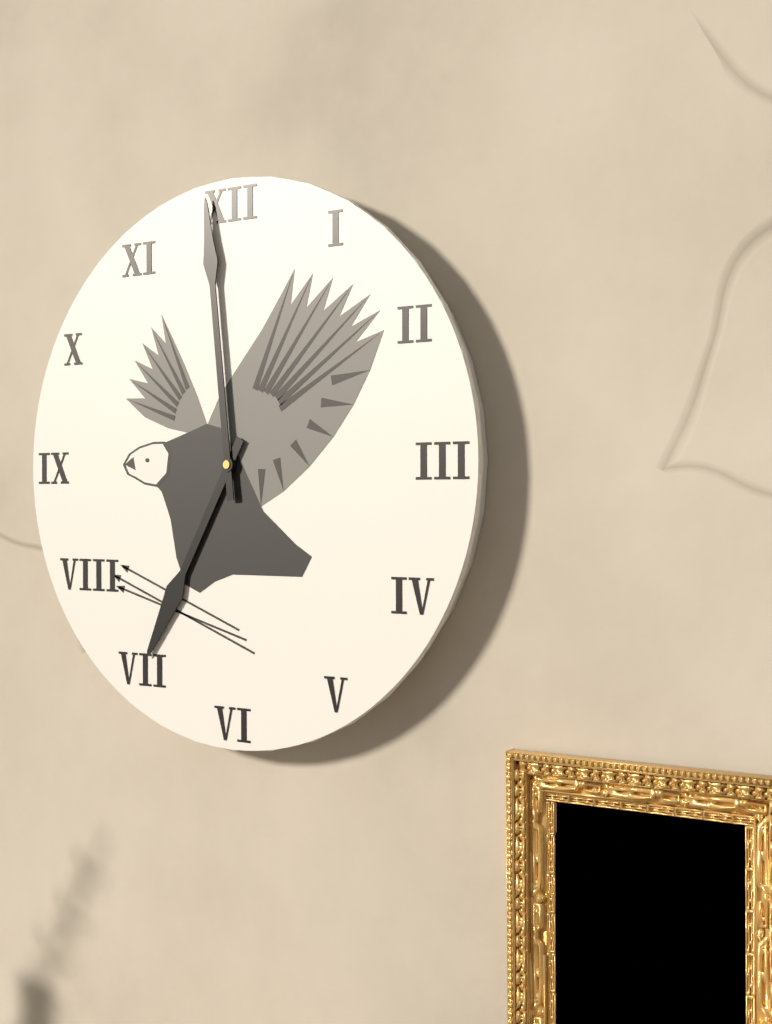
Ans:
6h59
